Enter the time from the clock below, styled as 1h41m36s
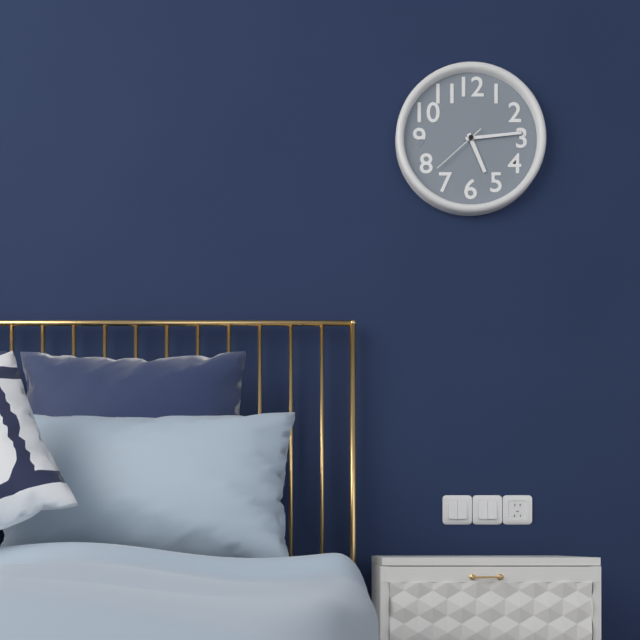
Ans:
5h14m38s
